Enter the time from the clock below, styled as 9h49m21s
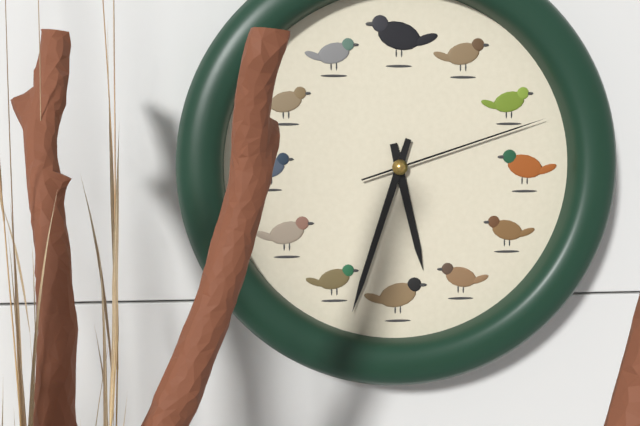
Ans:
5h33m12s
